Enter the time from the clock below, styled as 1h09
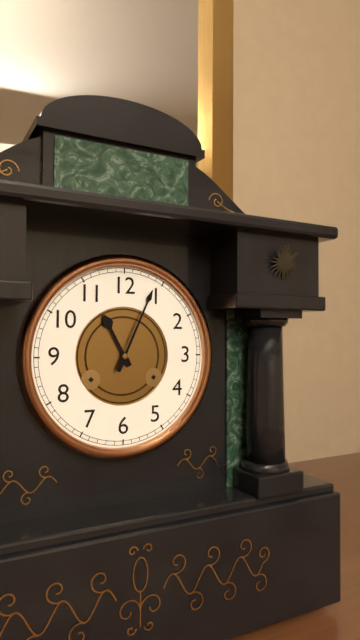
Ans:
11h04
